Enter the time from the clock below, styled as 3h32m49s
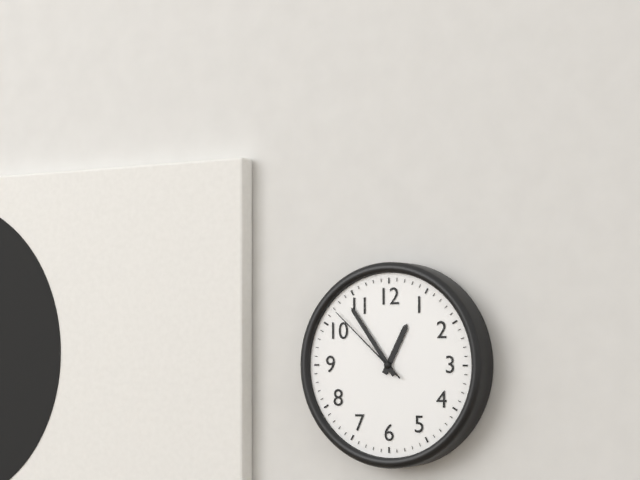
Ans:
12h54m52s
